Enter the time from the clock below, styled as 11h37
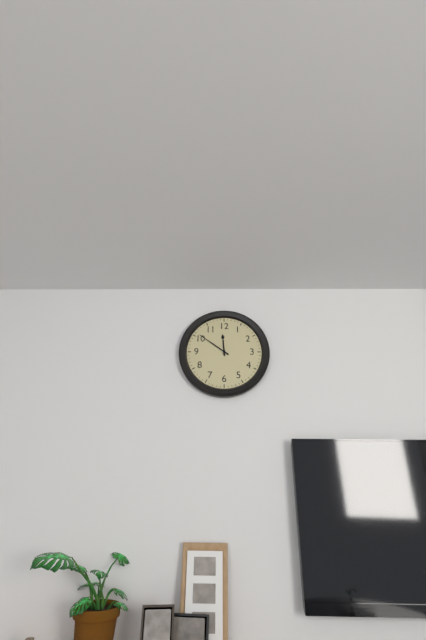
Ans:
11h51
